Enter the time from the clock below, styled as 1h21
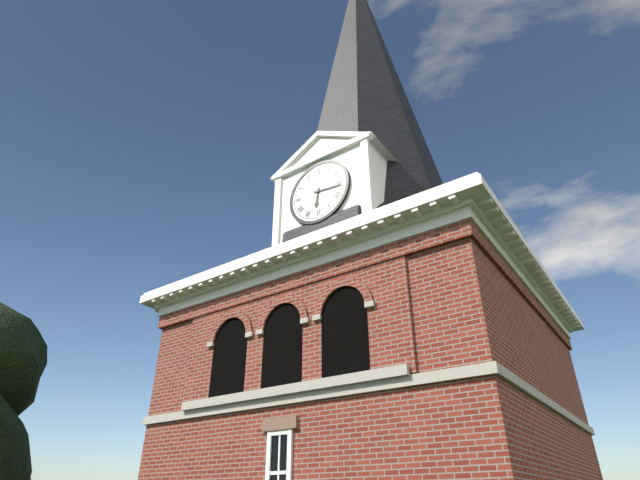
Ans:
6h16
